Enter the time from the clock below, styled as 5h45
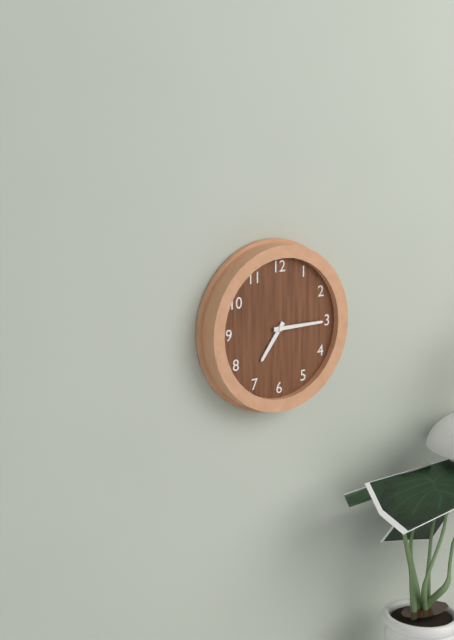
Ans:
7h15
